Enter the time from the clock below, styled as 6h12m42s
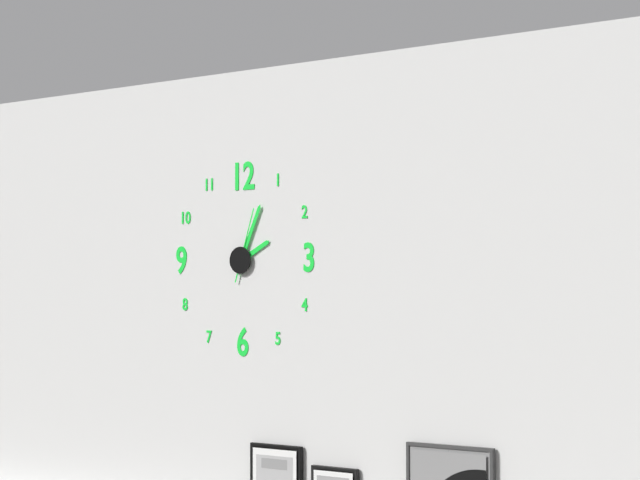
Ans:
2h04m03s
